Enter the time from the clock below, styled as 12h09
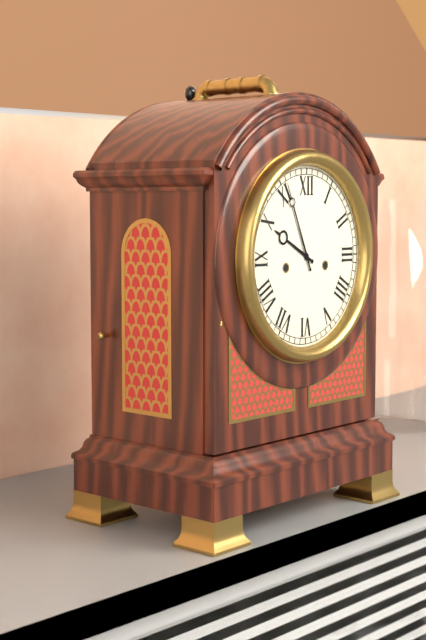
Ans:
9h56
